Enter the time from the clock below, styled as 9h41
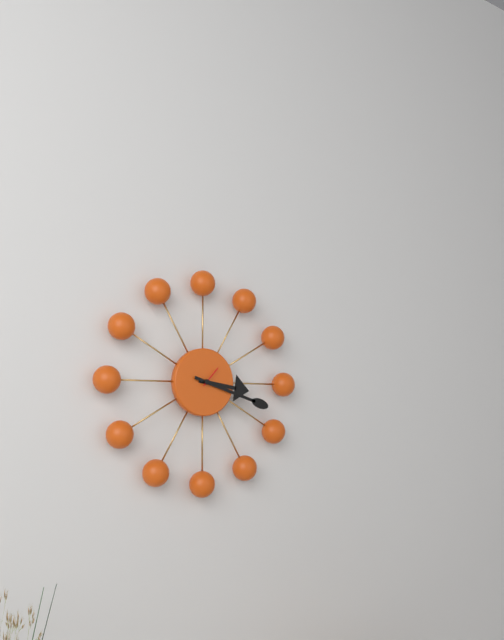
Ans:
3h18
